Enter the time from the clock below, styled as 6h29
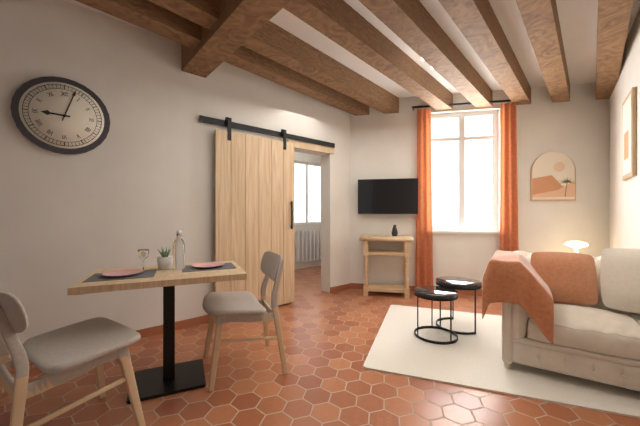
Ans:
9h03
